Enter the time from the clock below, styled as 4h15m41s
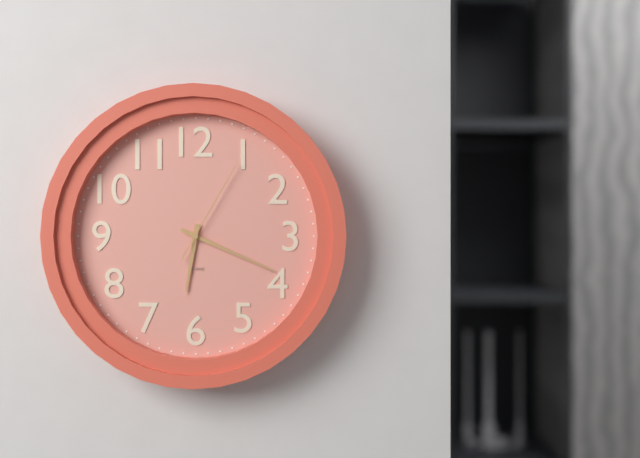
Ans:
6h19m05s
